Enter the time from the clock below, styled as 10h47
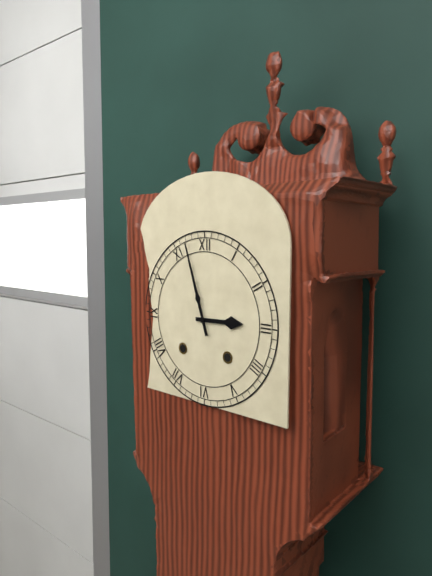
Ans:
2h57
